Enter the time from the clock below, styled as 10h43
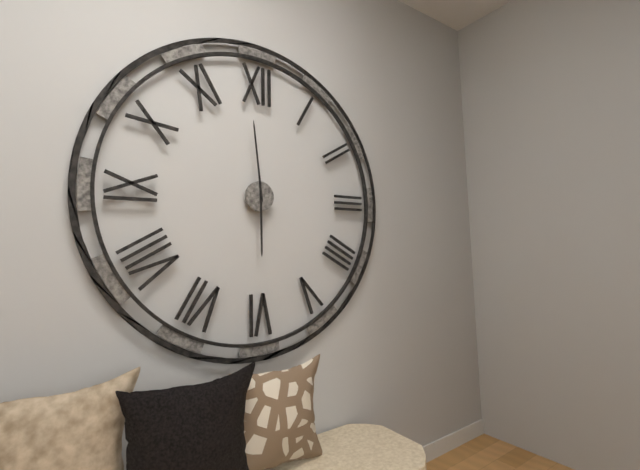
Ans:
5h59
